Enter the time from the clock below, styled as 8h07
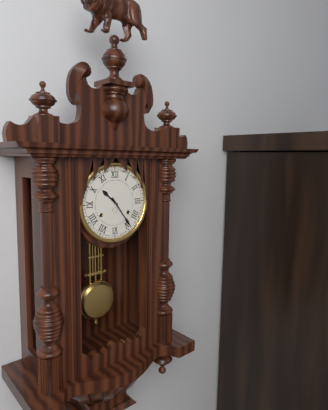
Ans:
10h24
